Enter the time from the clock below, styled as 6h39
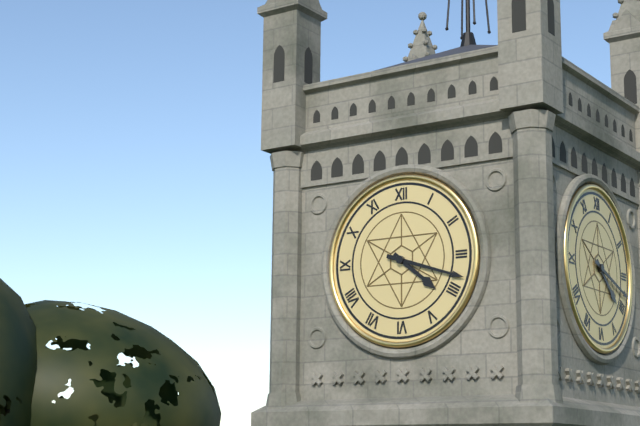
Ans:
4h18
